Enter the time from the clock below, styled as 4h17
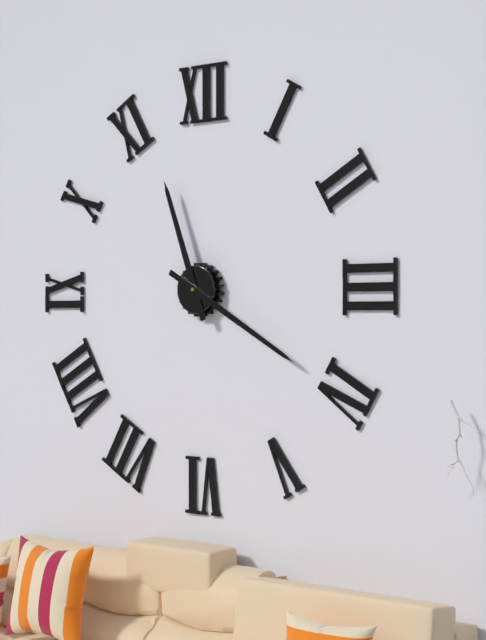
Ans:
11h20
